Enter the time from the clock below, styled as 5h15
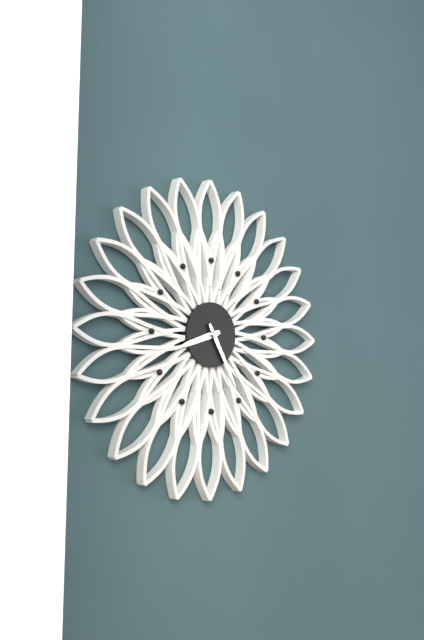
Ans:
8h25
